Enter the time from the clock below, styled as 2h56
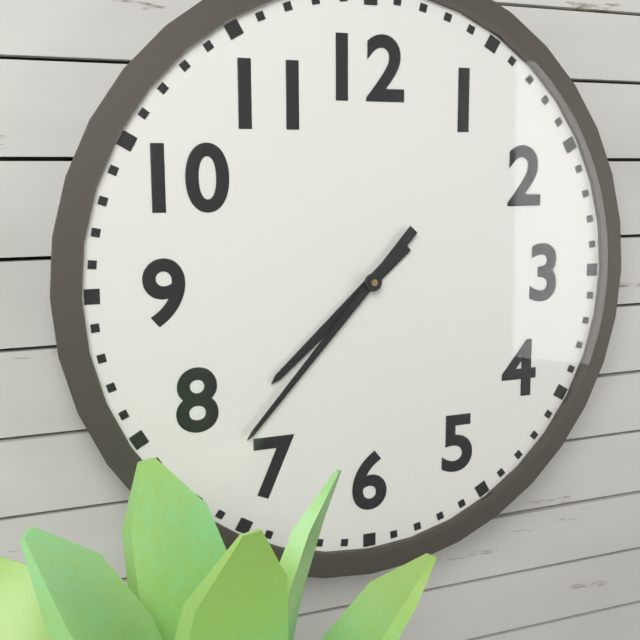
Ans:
7h37
